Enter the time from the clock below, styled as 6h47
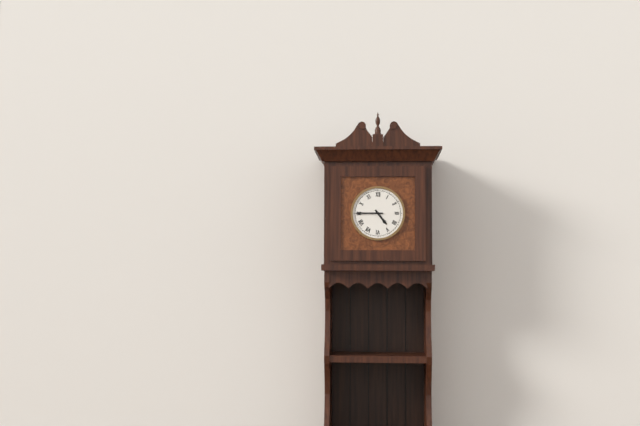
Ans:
4h45
